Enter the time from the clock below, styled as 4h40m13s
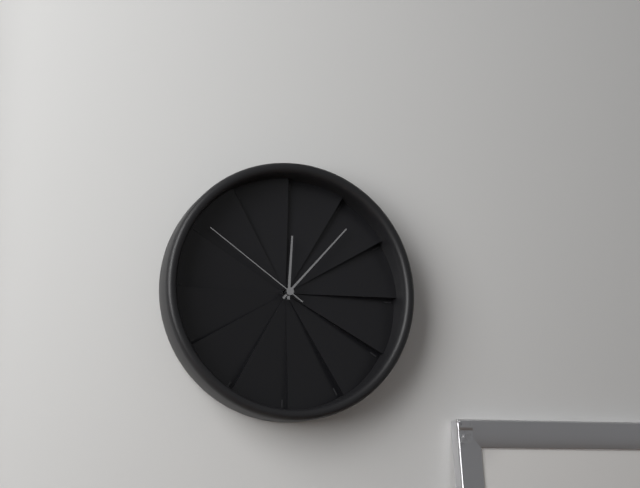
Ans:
12h07m51s
